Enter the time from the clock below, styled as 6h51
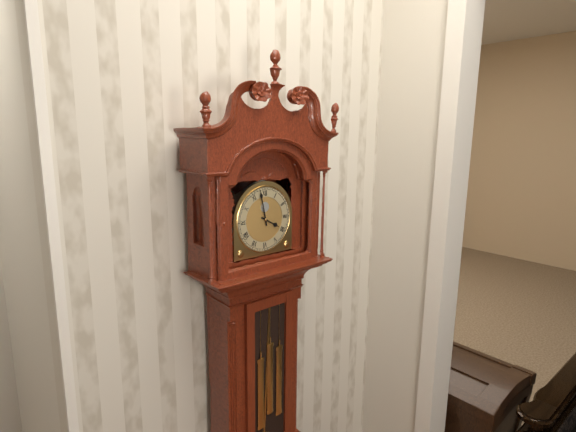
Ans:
3h58
